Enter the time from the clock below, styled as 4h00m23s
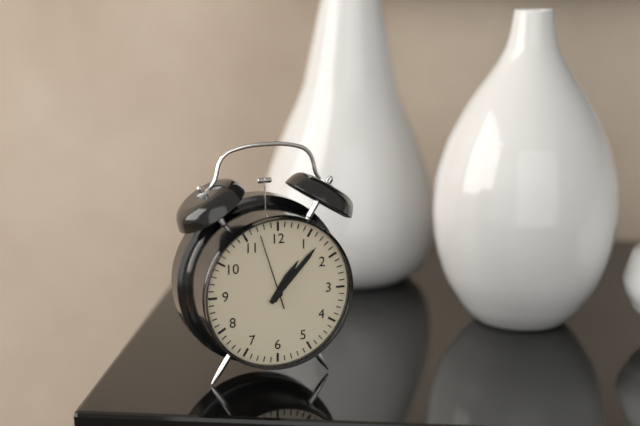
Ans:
1h07m57s
